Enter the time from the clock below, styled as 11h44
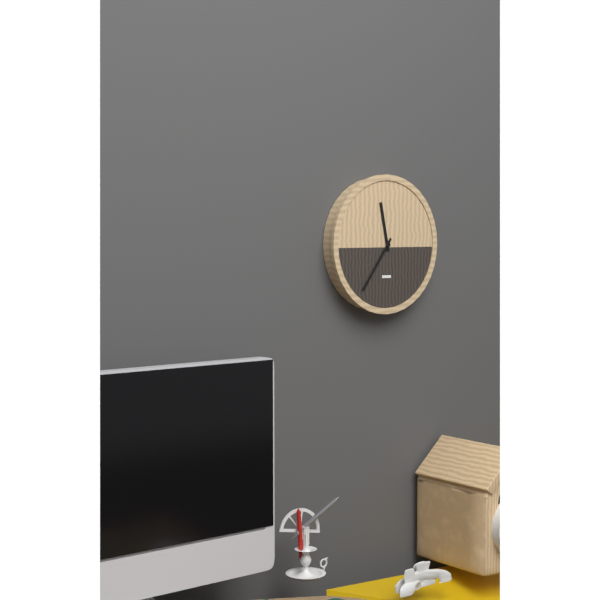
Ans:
11h36
